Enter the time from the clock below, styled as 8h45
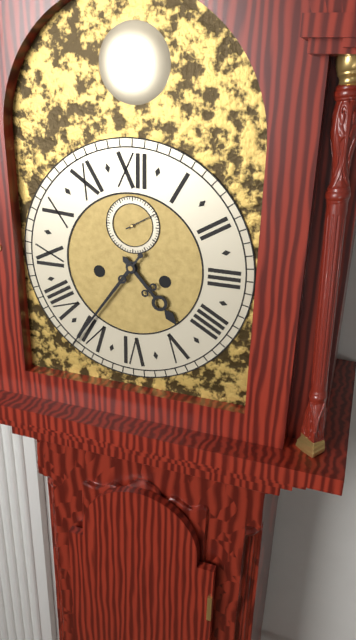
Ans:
4h36
